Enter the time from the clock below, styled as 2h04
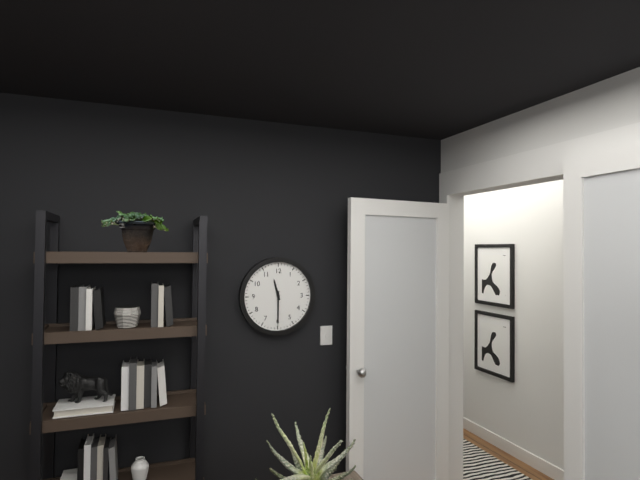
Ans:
11h30
